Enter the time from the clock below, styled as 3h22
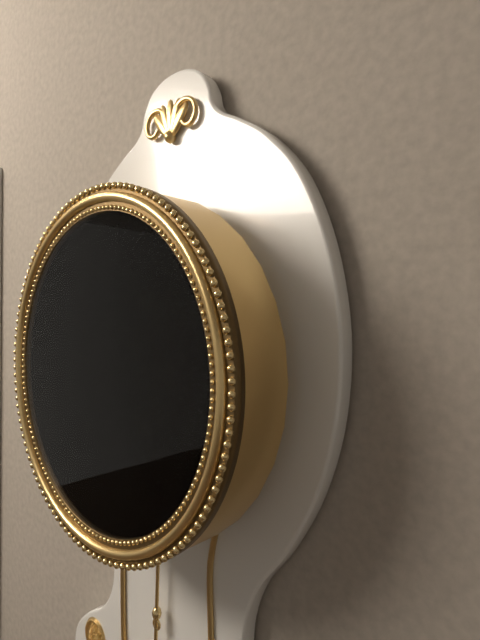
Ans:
5h07
